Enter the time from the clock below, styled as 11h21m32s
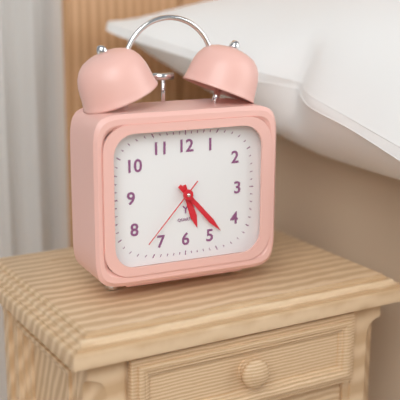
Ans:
5h23m37s
